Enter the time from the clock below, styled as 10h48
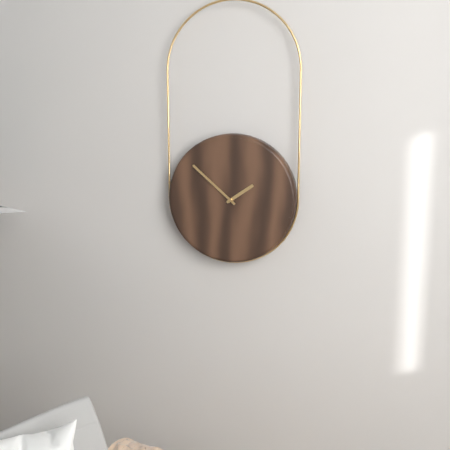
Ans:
1h52
